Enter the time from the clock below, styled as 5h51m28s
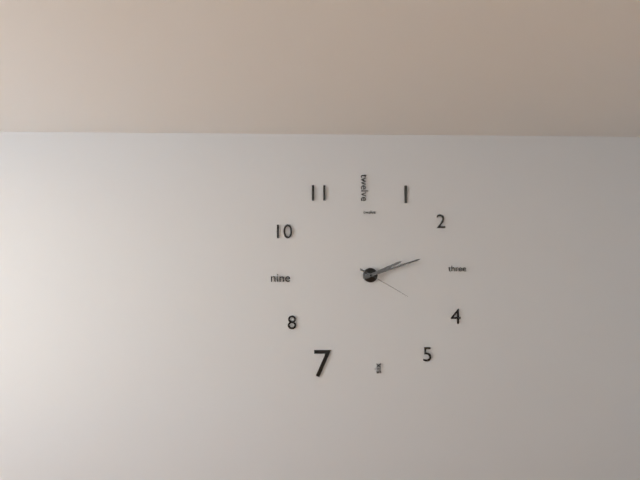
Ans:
2h12m20s
